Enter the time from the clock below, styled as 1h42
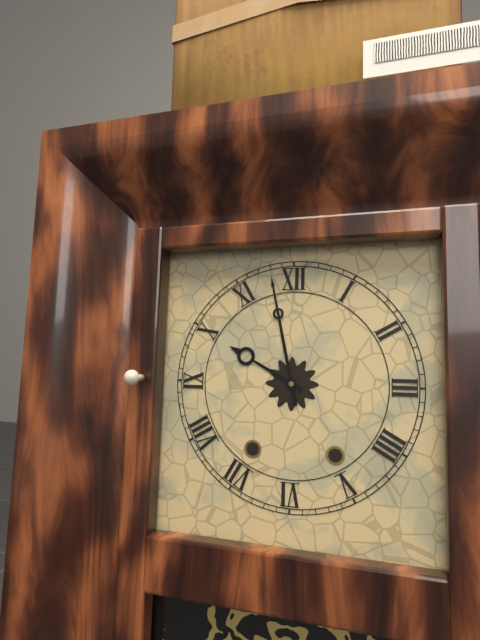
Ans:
9h58
